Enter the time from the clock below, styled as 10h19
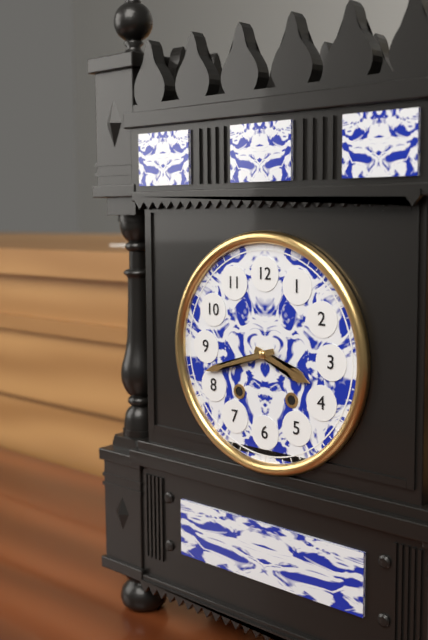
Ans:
3h42
